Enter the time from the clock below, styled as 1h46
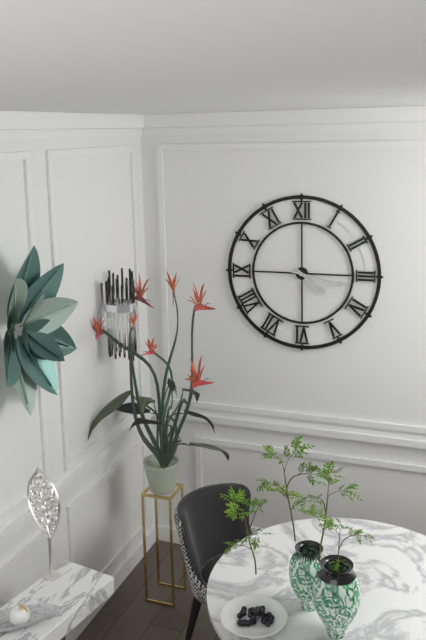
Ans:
4h17
